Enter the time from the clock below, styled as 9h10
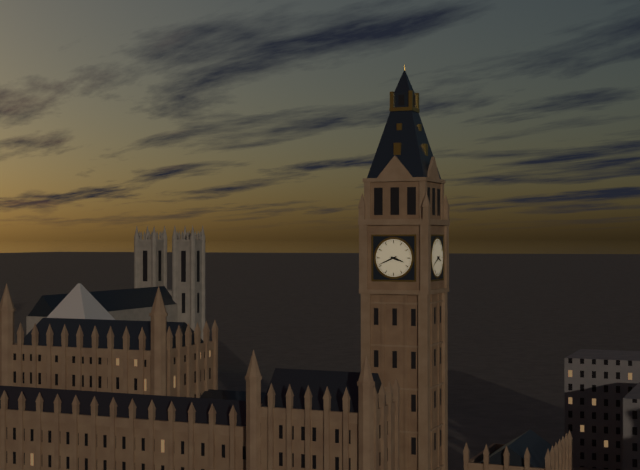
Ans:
3h41
